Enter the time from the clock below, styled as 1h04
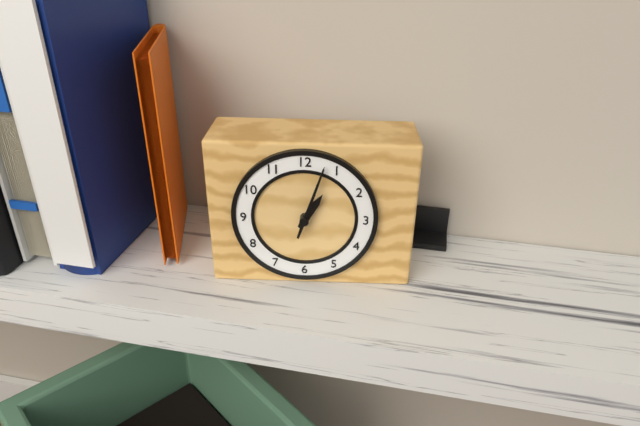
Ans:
1h03
